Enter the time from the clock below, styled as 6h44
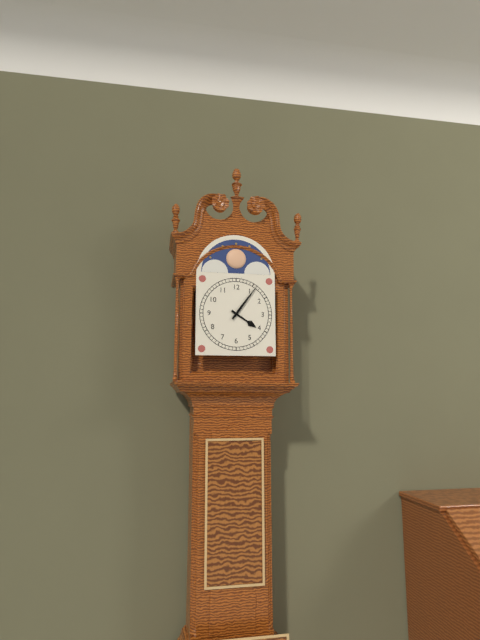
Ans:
4h06
